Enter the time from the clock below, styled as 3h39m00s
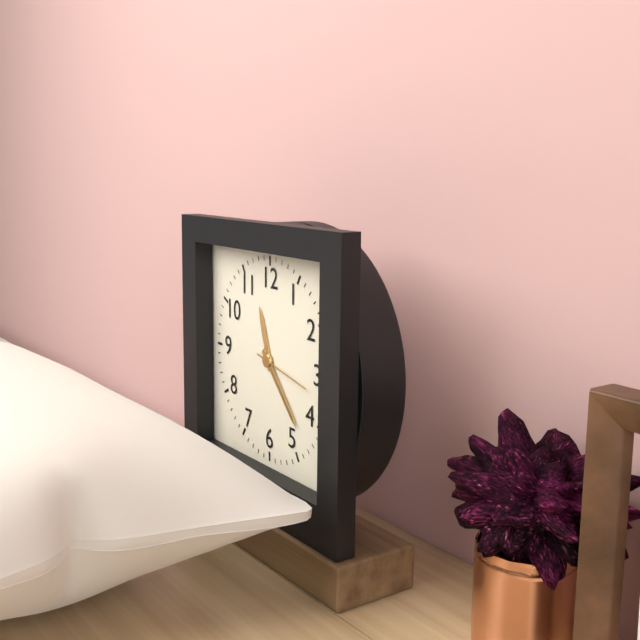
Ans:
11h23m17s
